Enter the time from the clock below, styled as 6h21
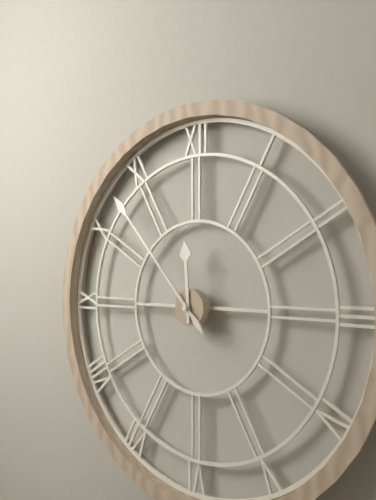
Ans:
11h53
